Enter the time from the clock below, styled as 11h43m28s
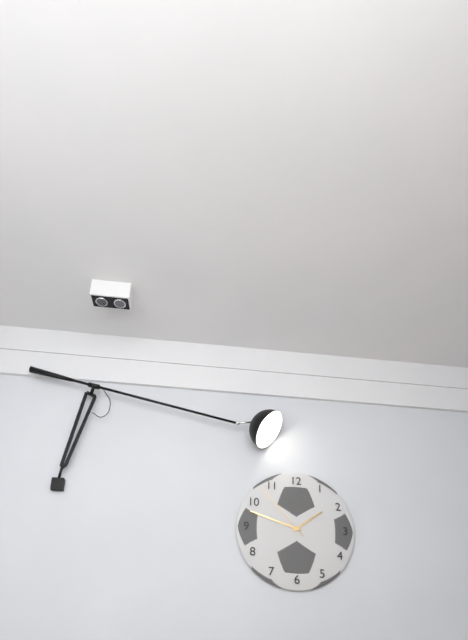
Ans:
1h48m53s
